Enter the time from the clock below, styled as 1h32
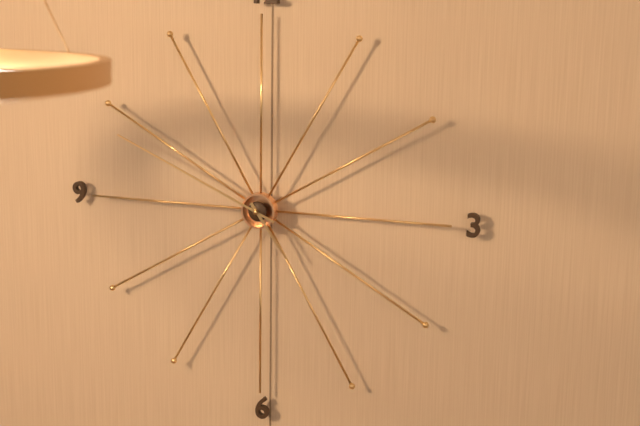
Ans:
4h49
